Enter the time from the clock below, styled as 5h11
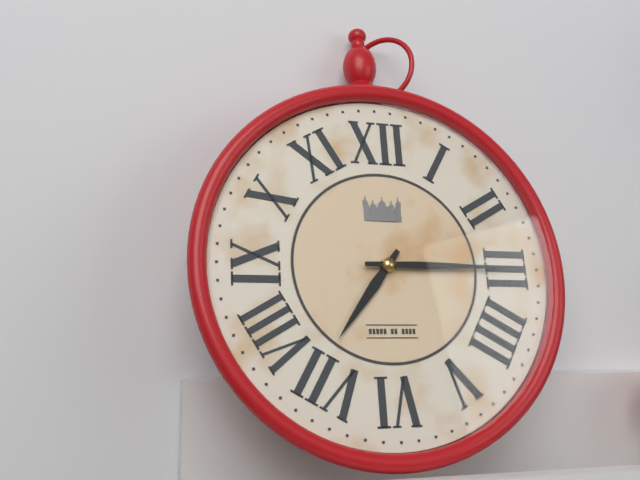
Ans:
7h15
